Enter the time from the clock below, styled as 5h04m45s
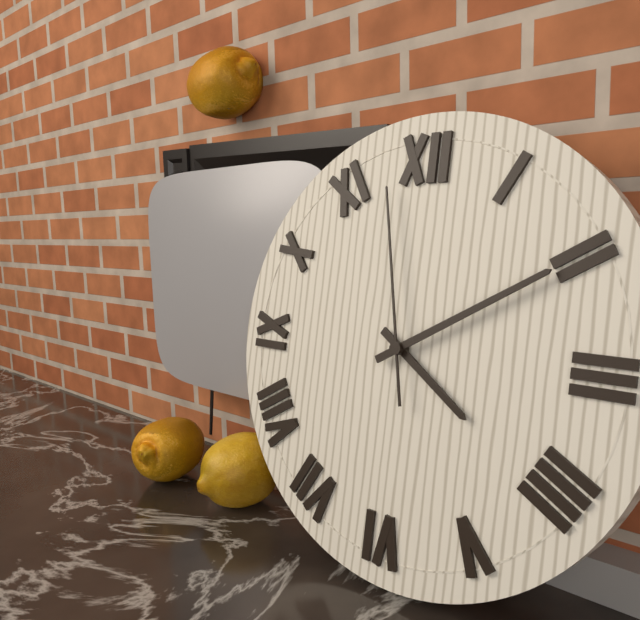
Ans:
4h10m58s
